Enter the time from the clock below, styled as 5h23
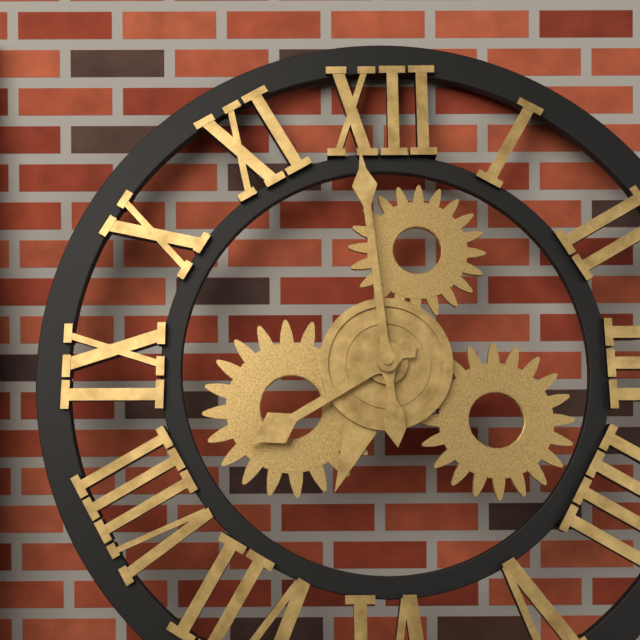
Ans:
7h59
